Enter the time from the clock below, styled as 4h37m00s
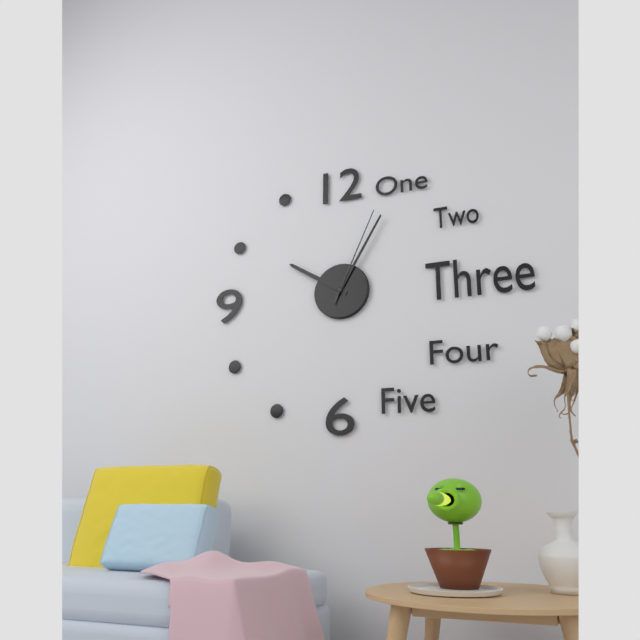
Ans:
10h05m04s
